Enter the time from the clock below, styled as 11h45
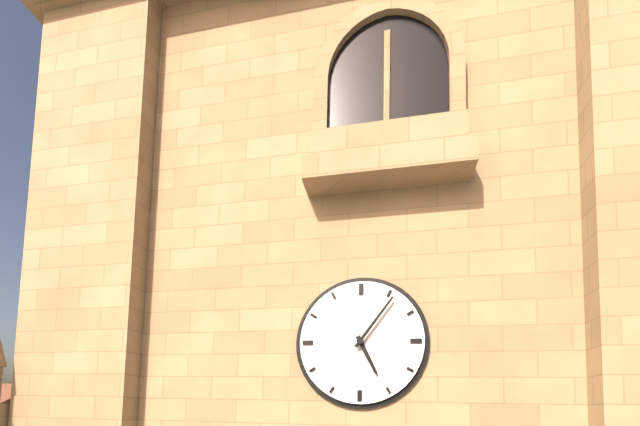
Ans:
5h06
